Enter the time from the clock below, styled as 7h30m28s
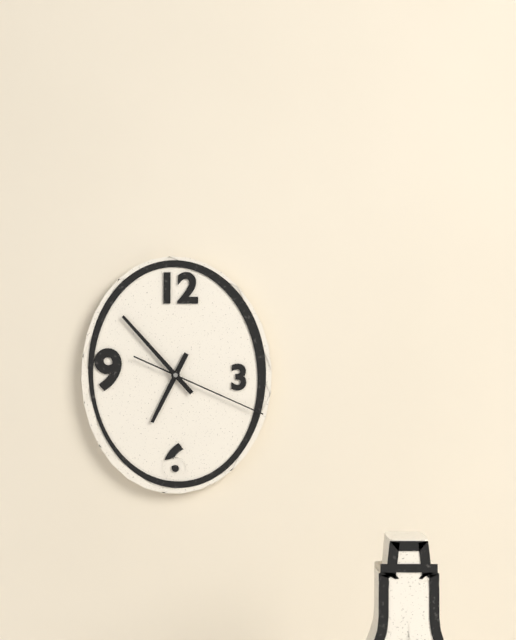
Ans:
6h53m19s
